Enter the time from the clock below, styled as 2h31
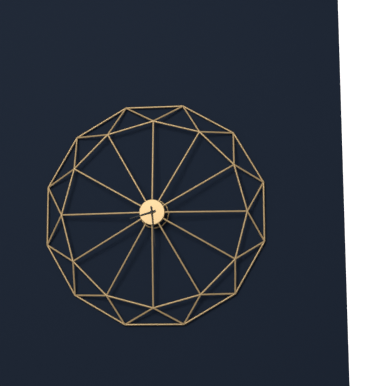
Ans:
8h29
